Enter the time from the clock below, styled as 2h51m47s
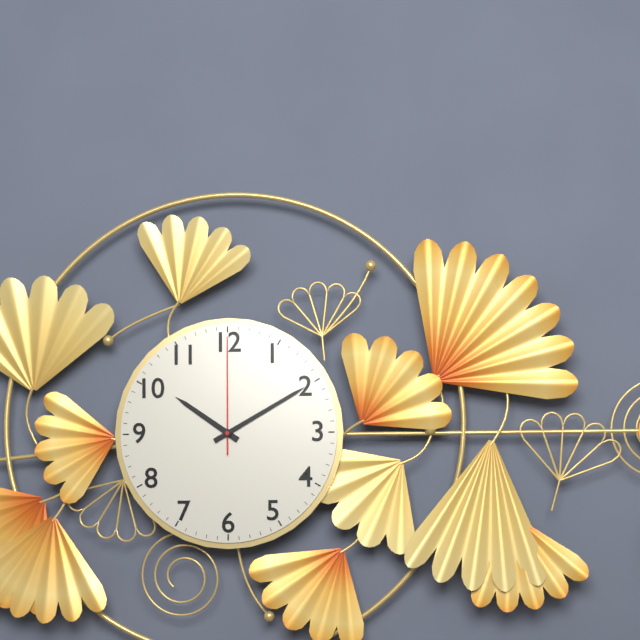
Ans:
10h10m00s
